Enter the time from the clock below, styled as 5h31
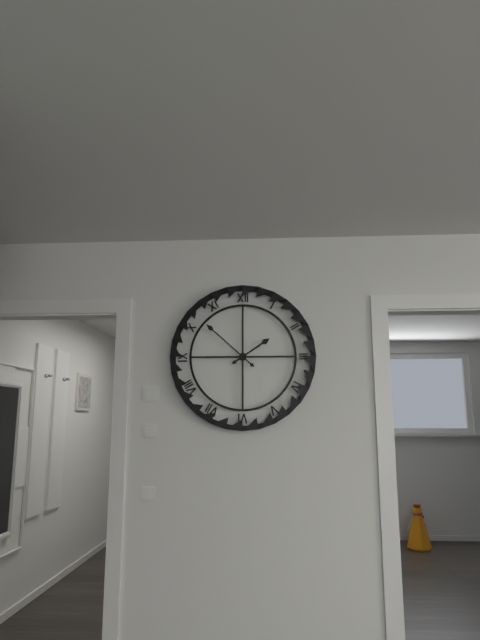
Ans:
1h52
